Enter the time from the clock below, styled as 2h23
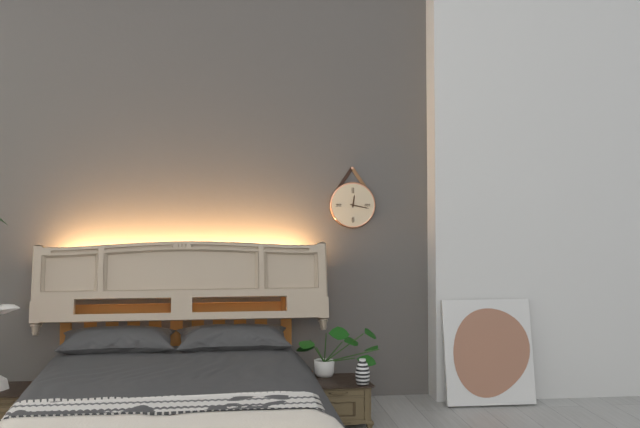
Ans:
12h17
